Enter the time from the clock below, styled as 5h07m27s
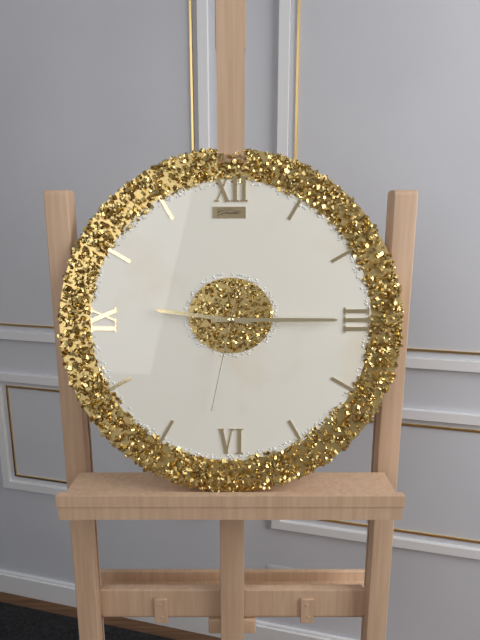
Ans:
9h15m32s
